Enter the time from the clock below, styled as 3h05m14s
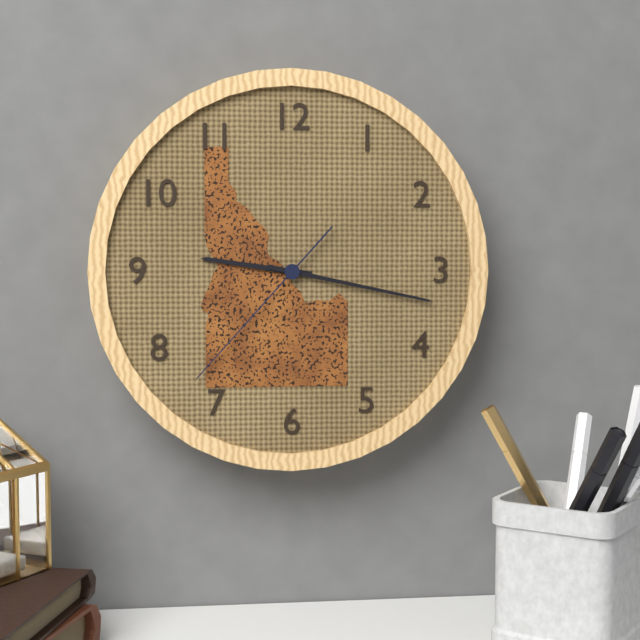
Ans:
9h17m37s
